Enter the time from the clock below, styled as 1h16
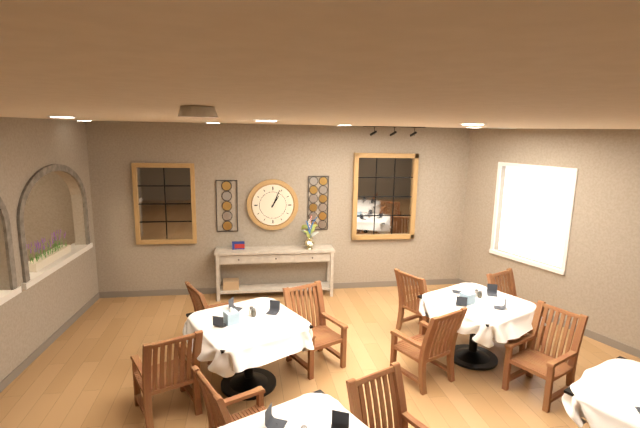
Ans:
1h04
